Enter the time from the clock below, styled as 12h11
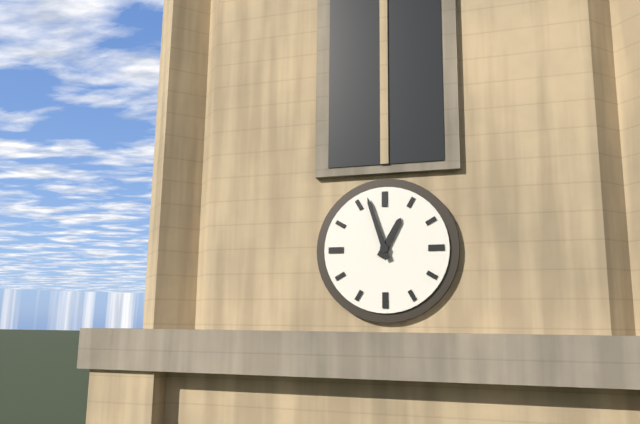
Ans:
12h57
